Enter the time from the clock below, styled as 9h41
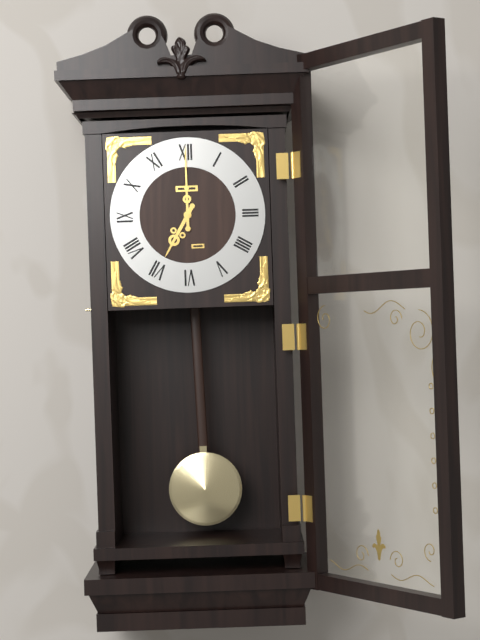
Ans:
7h00
